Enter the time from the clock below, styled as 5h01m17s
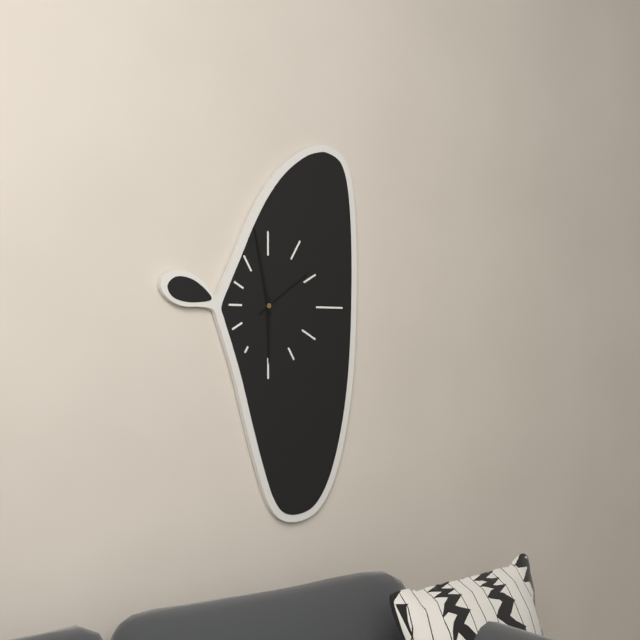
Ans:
5h58m09s
